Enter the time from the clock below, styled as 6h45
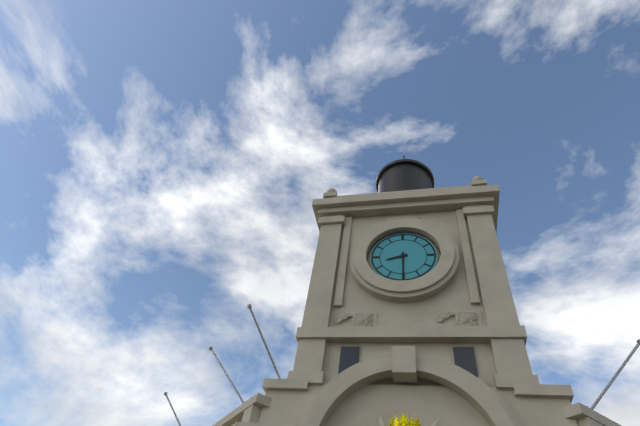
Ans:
8h30
